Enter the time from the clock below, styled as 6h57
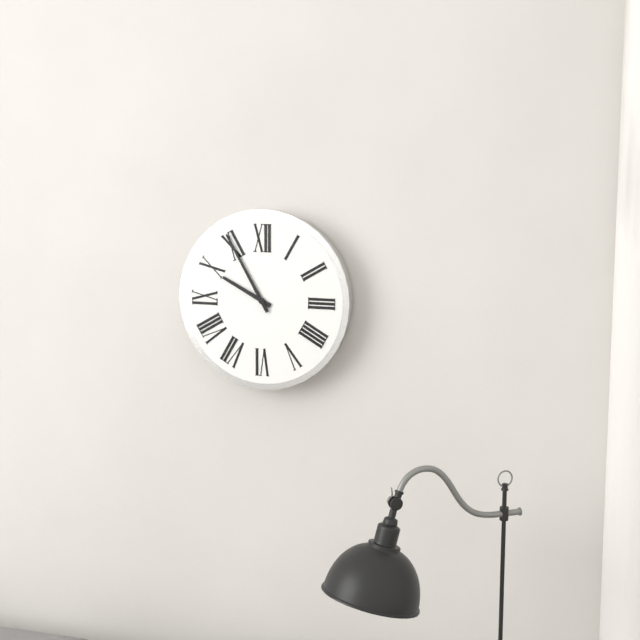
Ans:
9h55
